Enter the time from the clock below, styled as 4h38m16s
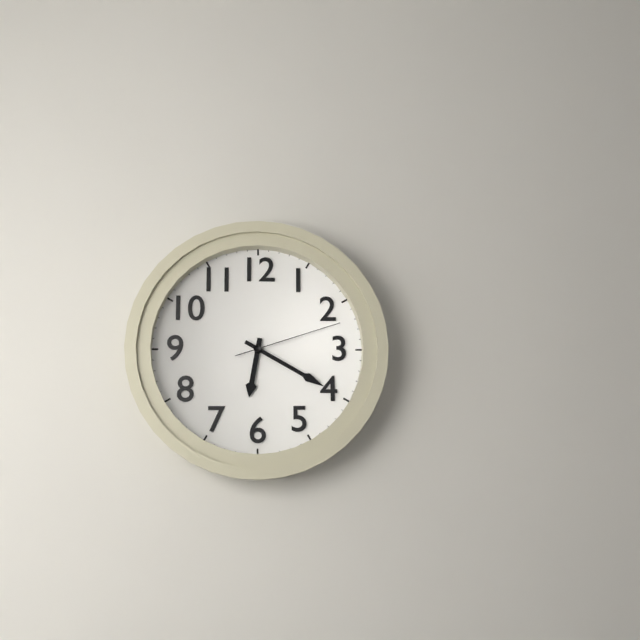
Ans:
6h20m12s
